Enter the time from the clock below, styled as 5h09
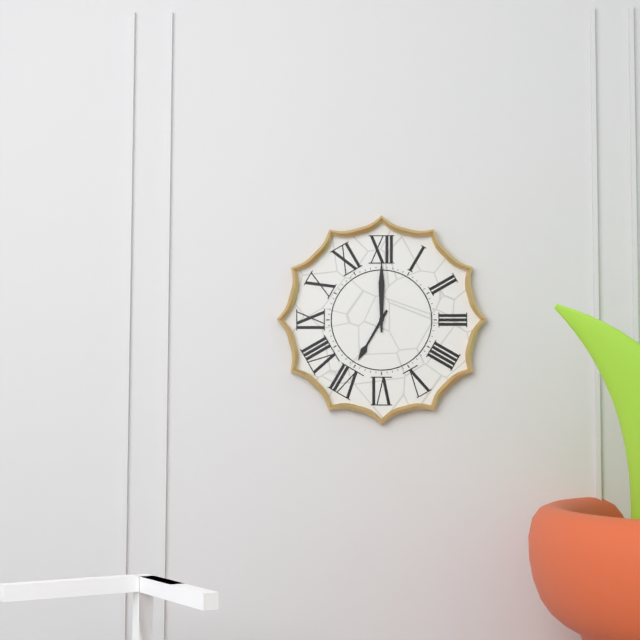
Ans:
7h00
